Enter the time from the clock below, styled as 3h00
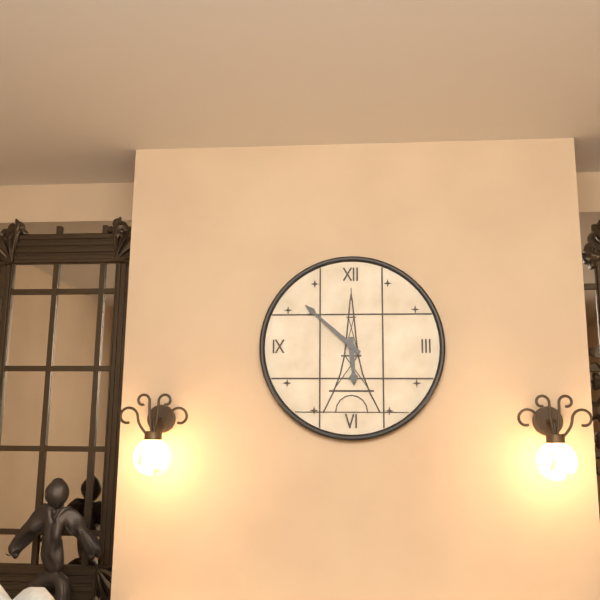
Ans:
5h52
